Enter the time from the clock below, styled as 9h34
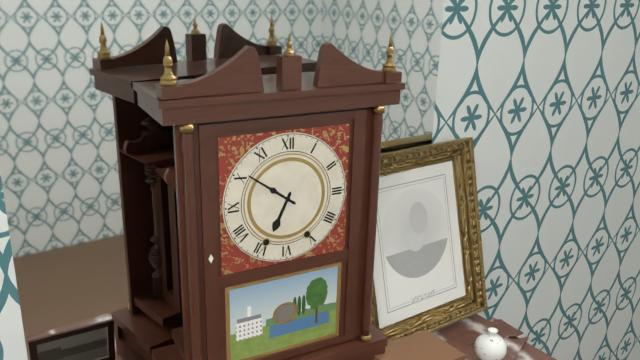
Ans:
6h51
